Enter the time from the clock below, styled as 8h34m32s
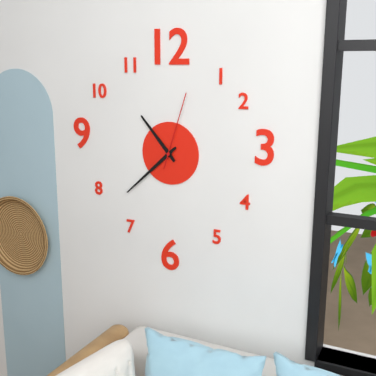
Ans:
10h38m03s
